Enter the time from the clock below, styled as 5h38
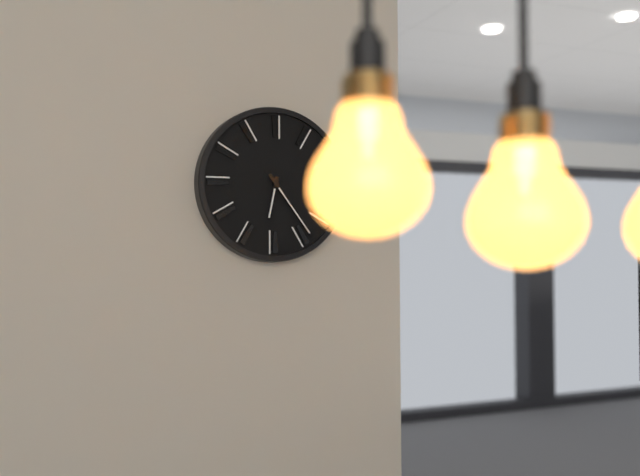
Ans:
6h24
